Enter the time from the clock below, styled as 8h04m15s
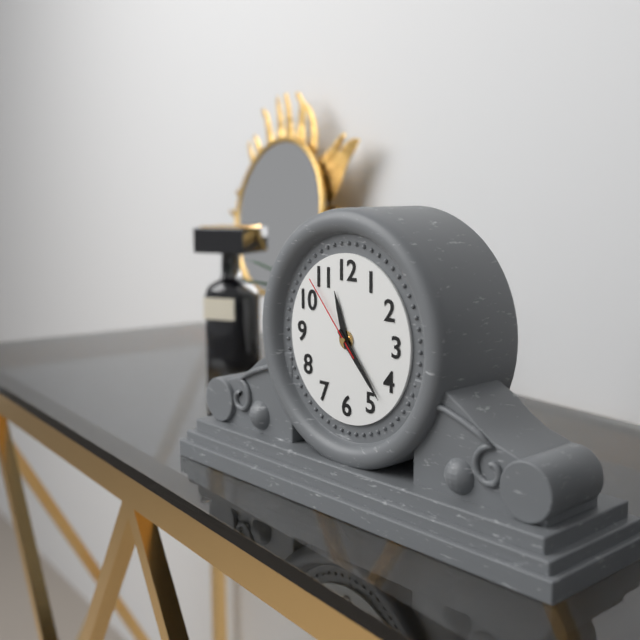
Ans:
11h23m53s
